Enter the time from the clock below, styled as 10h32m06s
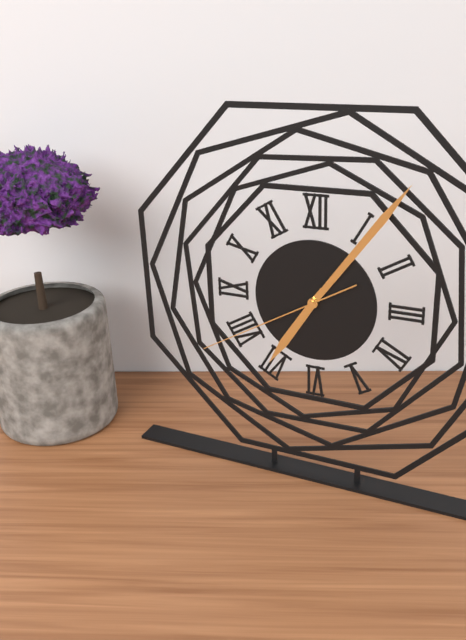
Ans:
7h06m40s
